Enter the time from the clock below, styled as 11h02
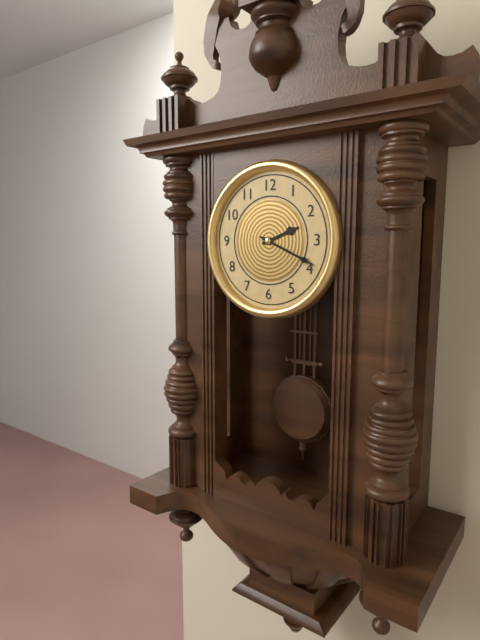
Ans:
2h19
